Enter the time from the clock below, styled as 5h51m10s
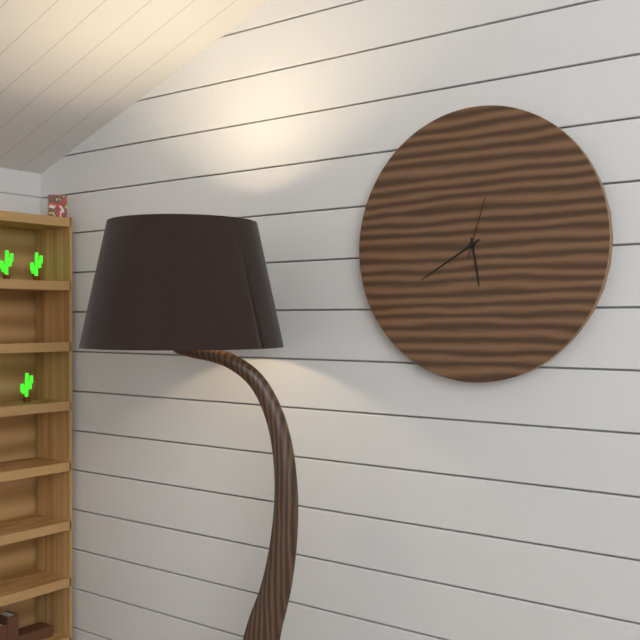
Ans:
5h40m03s
